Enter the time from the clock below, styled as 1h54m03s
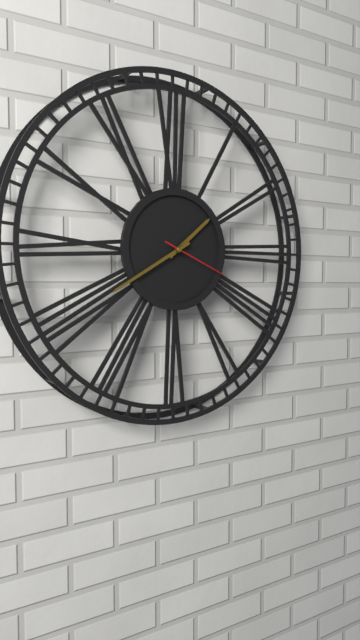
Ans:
1h40m19s
